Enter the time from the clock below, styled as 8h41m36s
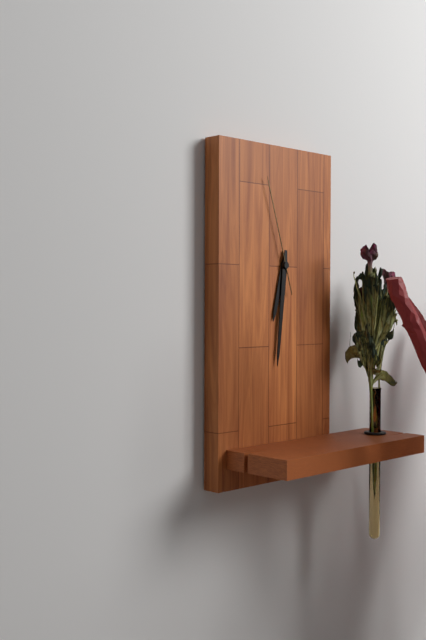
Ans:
6h31m57s
